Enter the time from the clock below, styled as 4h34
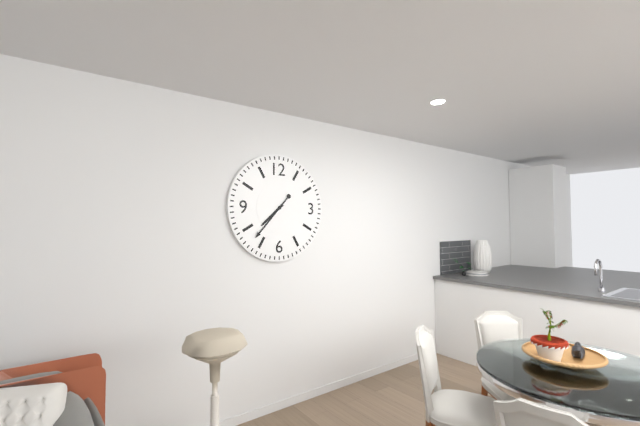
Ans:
7h37
